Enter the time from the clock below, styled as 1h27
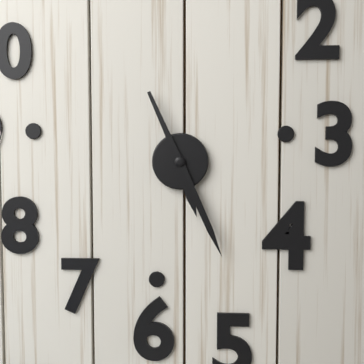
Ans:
5h26
